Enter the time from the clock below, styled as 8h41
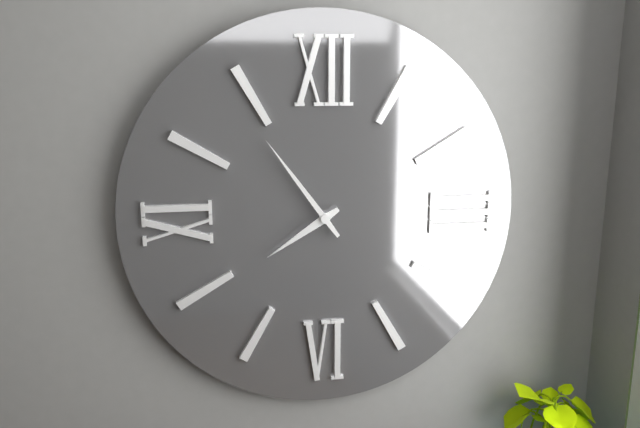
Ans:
7h54
